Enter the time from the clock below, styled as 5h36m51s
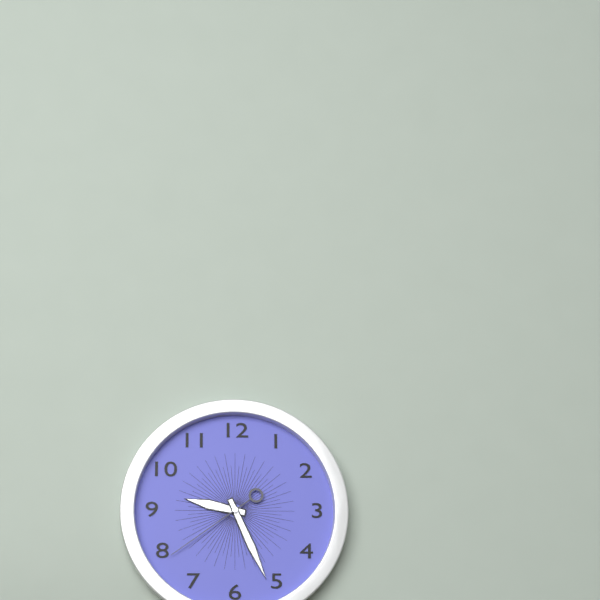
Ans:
9h26m39s
